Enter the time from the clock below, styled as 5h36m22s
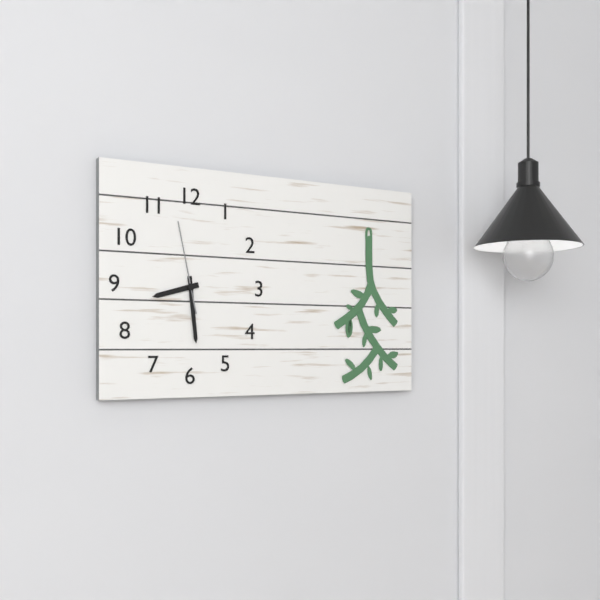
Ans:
8h29m58s
